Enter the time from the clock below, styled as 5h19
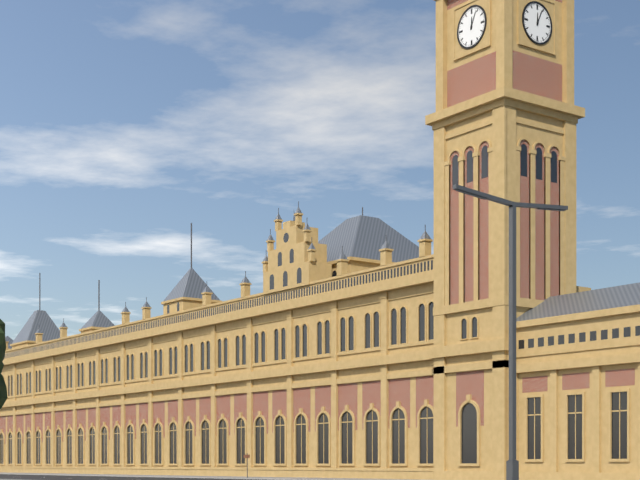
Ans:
12h04
